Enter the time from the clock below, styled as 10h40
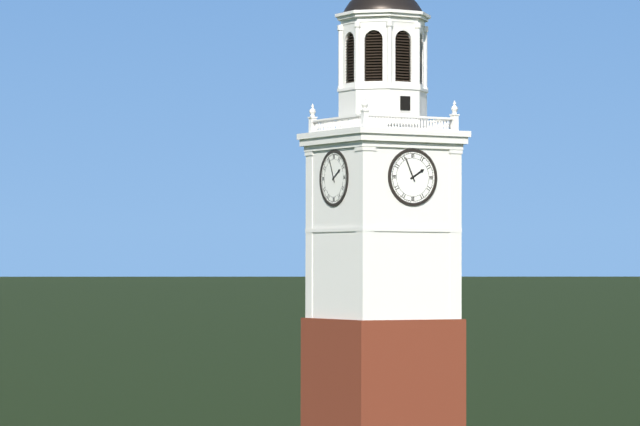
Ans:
1h56
